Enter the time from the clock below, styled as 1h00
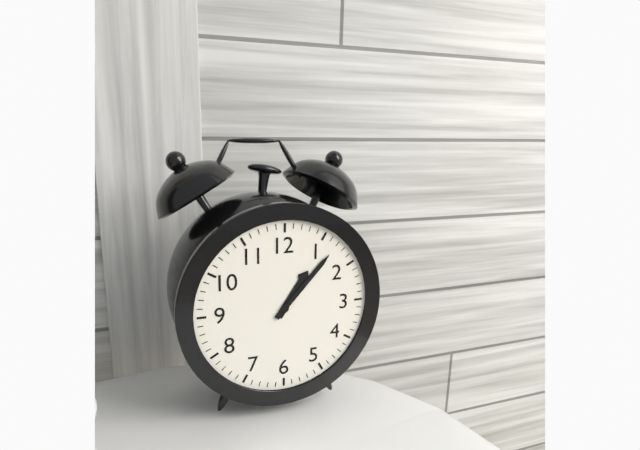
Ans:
1h07
